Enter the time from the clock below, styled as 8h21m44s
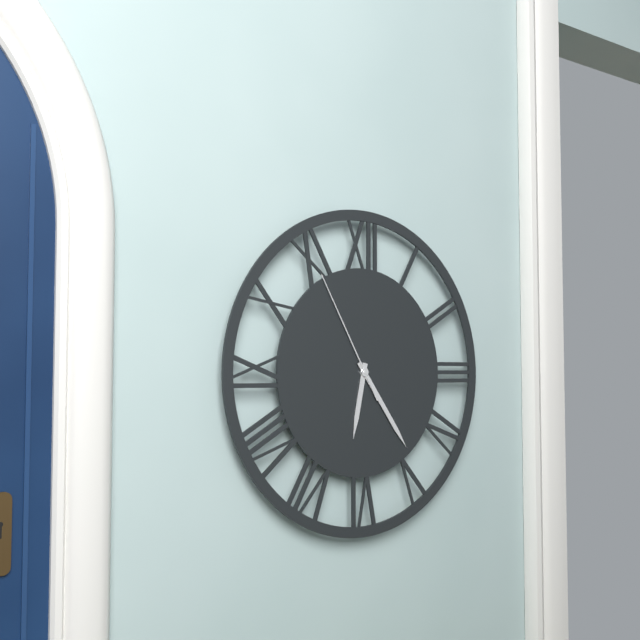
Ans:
6h24m55s
